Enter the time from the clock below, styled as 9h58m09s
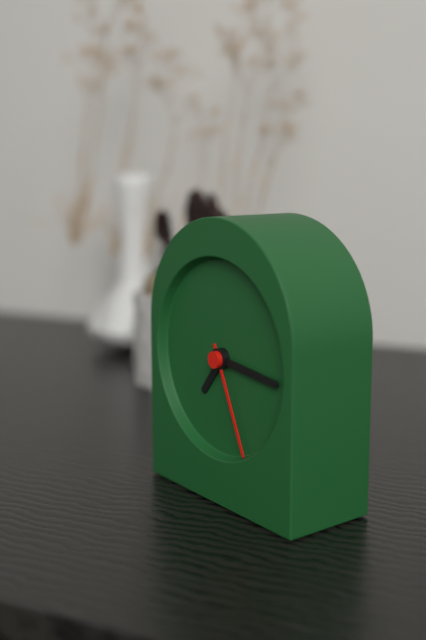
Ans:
7h16m26s
